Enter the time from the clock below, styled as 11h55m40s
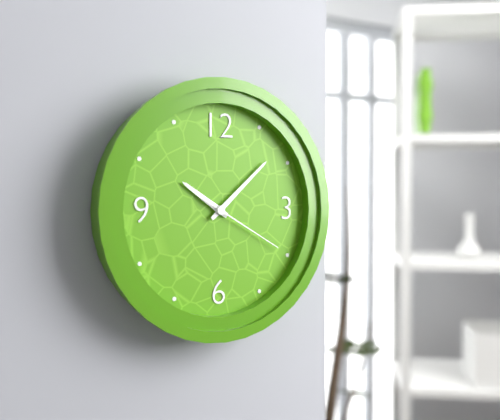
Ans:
10h08m20s
